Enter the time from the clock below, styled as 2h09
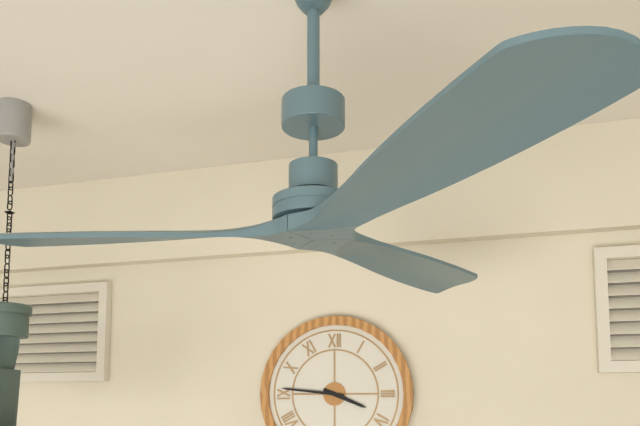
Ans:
3h46
